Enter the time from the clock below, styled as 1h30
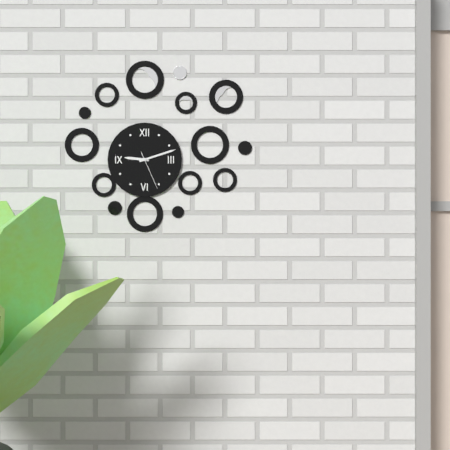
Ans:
9h12
